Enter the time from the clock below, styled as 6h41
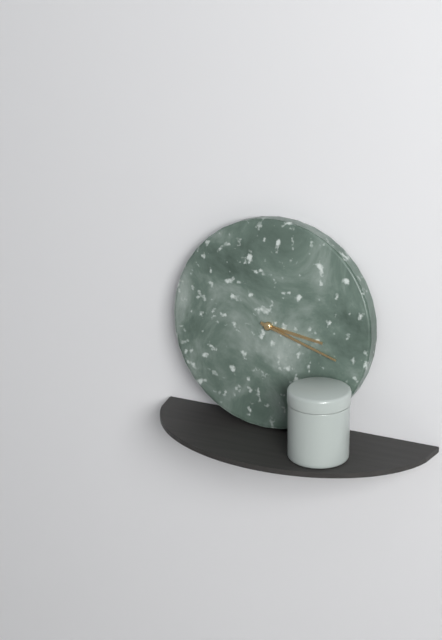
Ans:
3h18
